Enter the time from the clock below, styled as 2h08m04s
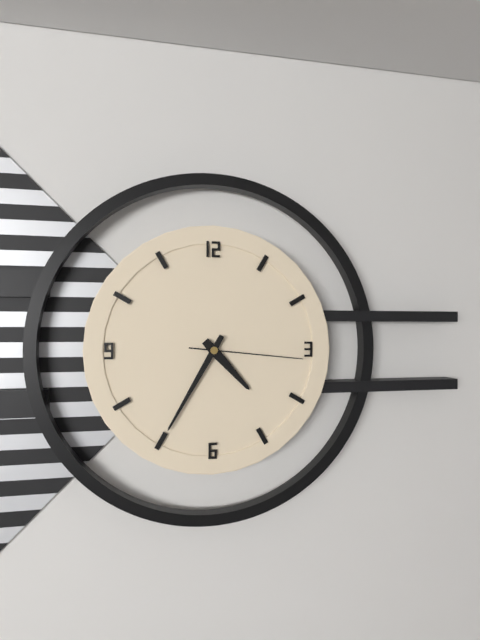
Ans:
4h35m16s
